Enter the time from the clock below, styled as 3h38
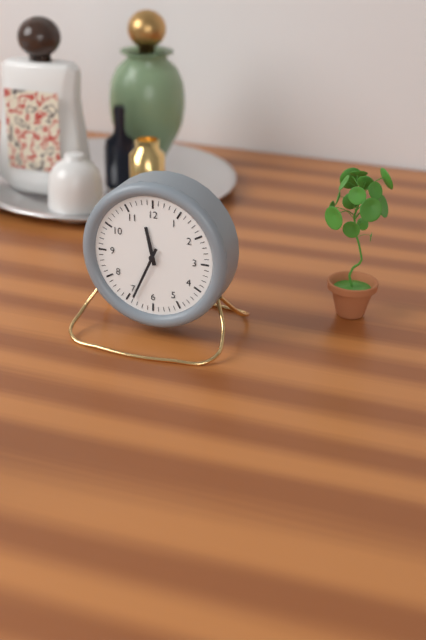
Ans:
11h34
